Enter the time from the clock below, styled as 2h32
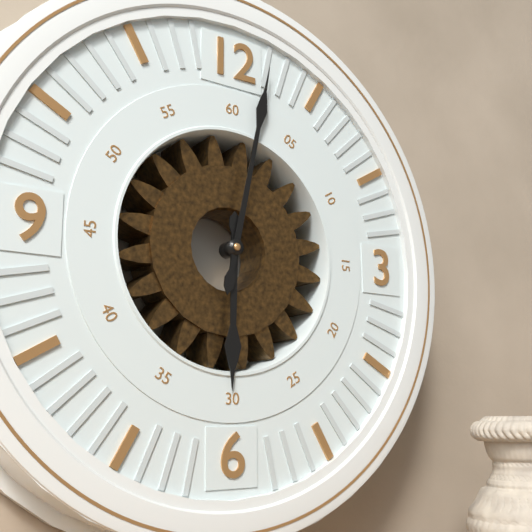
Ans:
6h02
